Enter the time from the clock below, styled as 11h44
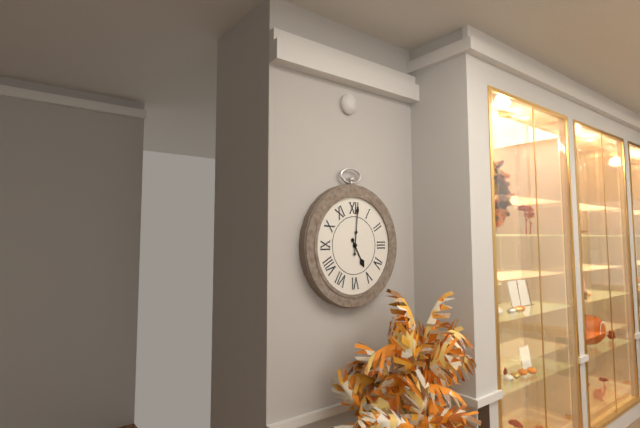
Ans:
5h01
